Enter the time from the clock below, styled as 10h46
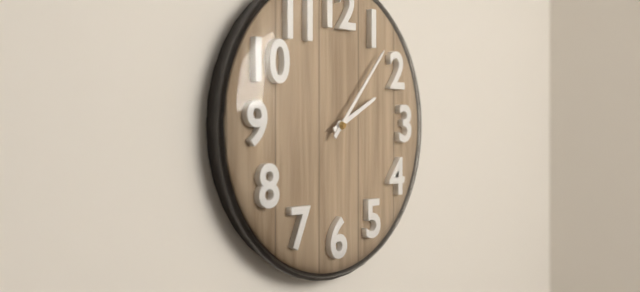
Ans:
2h07
